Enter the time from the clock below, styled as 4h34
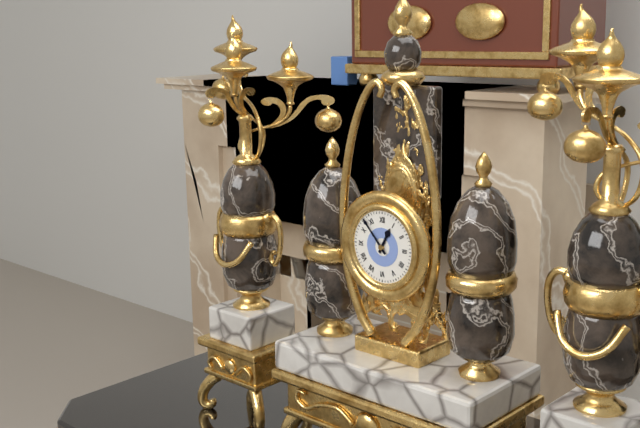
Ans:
12h53
